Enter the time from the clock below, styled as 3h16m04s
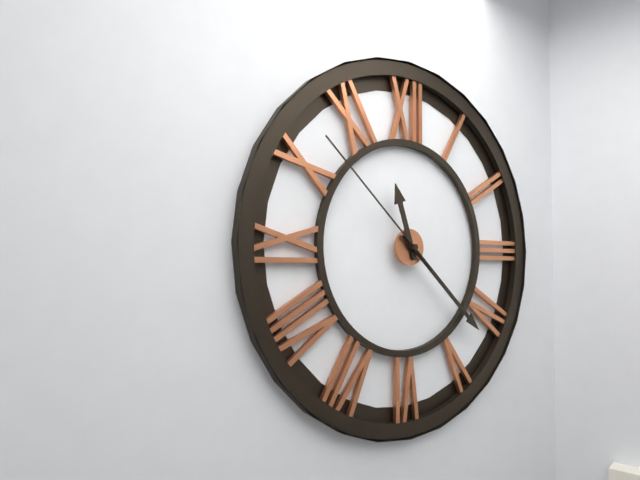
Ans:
11h22m52s
